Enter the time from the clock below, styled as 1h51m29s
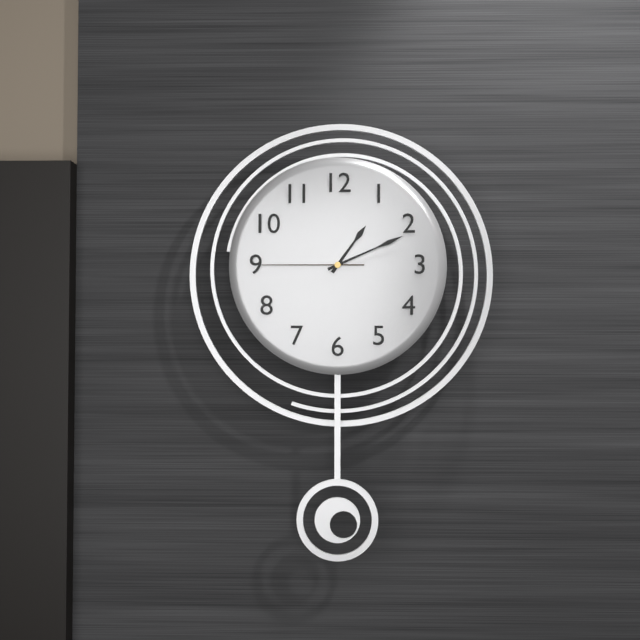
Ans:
1h11m45s
